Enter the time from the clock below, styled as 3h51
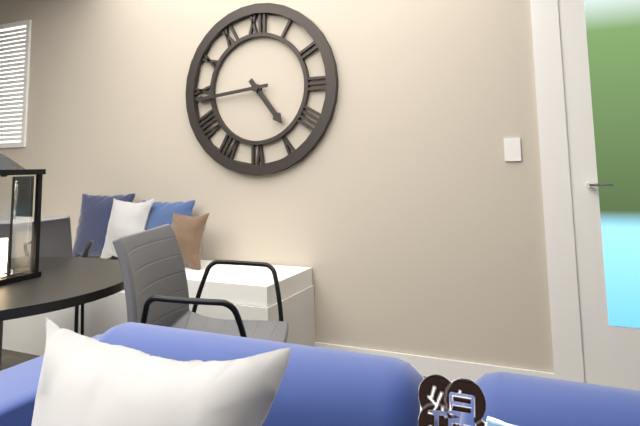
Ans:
4h44
